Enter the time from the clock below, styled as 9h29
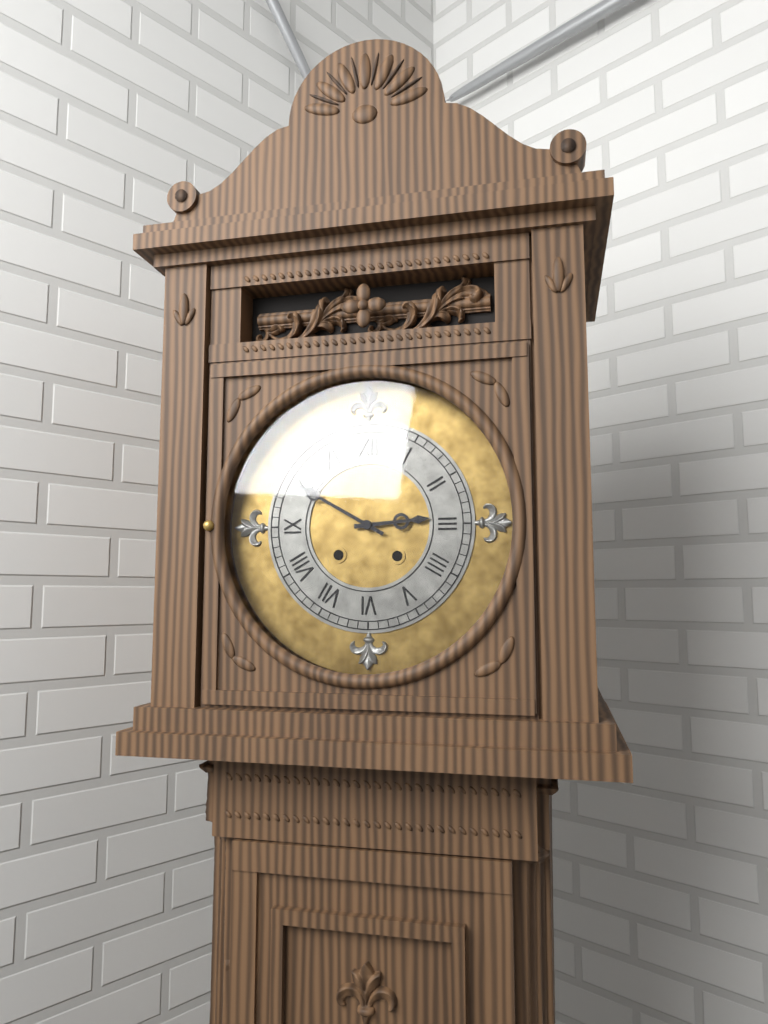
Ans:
2h50
